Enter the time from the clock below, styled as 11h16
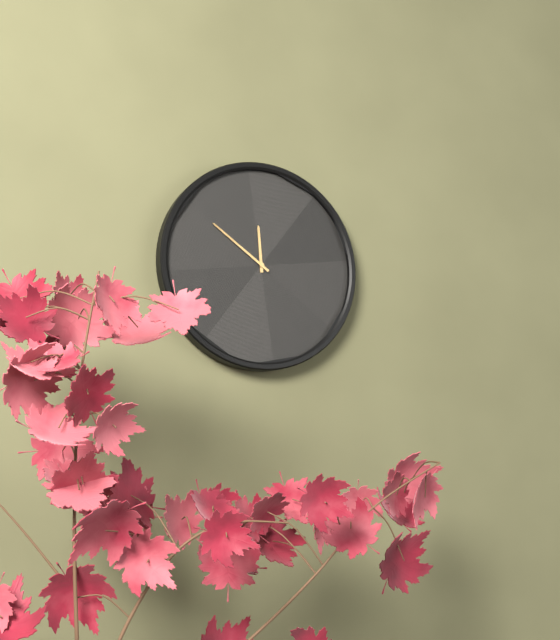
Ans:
11h51
